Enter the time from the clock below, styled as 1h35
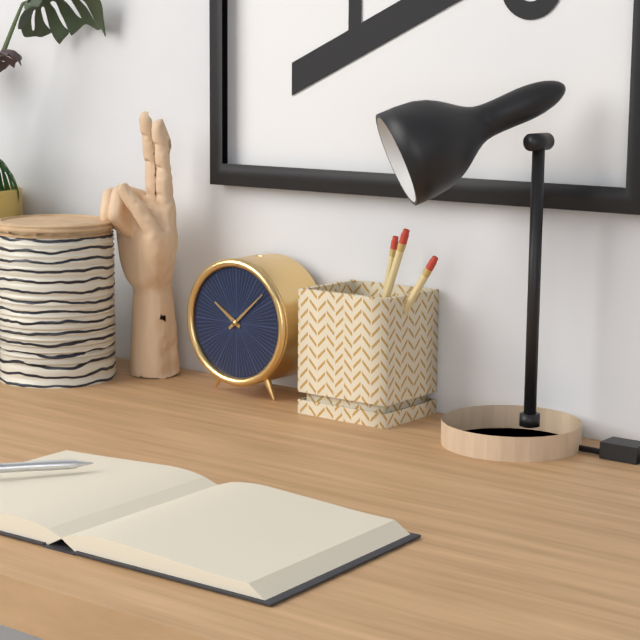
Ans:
10h08
